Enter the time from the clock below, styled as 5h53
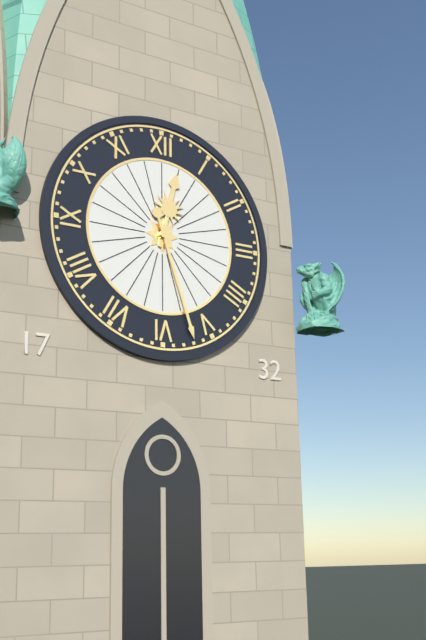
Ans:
12h27
